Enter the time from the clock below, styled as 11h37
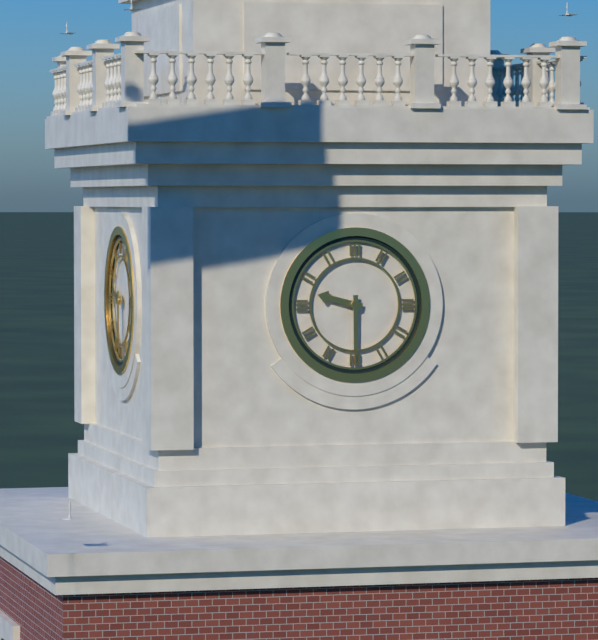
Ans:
9h30
